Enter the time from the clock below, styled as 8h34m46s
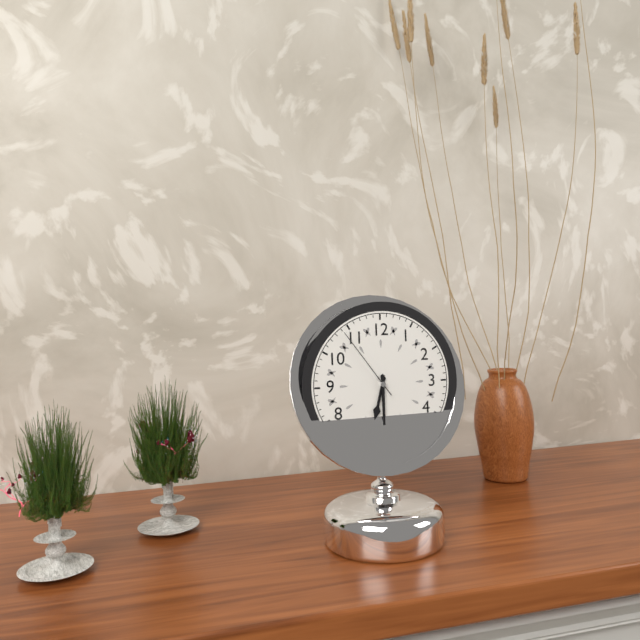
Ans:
6h30m54s
